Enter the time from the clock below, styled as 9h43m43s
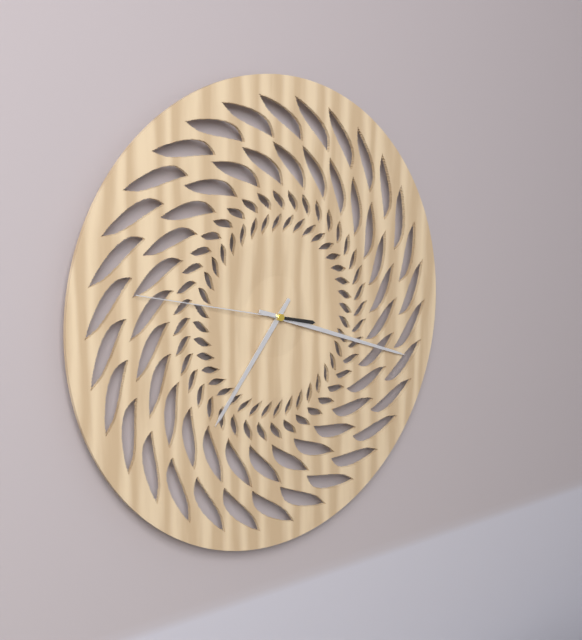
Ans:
7h18m47s
